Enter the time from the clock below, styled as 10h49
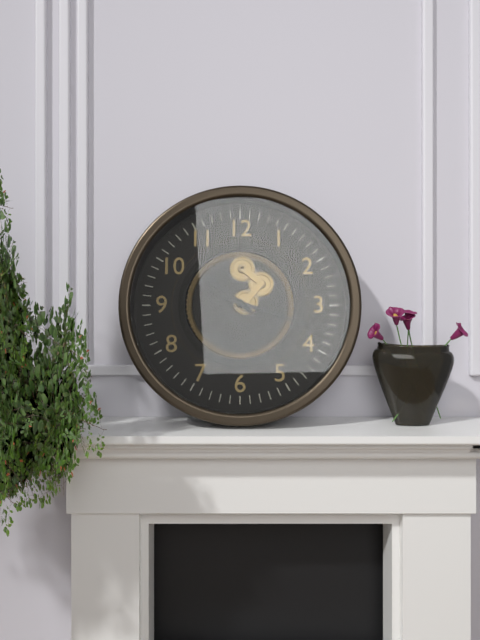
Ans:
10h18
